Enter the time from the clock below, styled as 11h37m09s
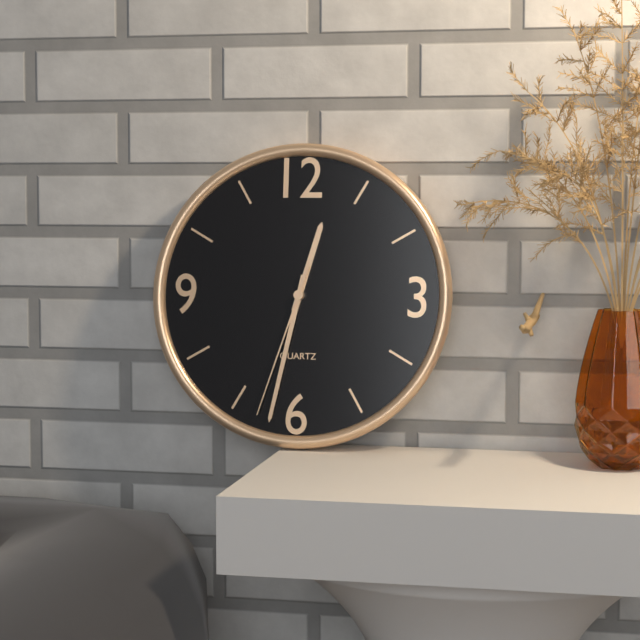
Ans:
12h32m33s
